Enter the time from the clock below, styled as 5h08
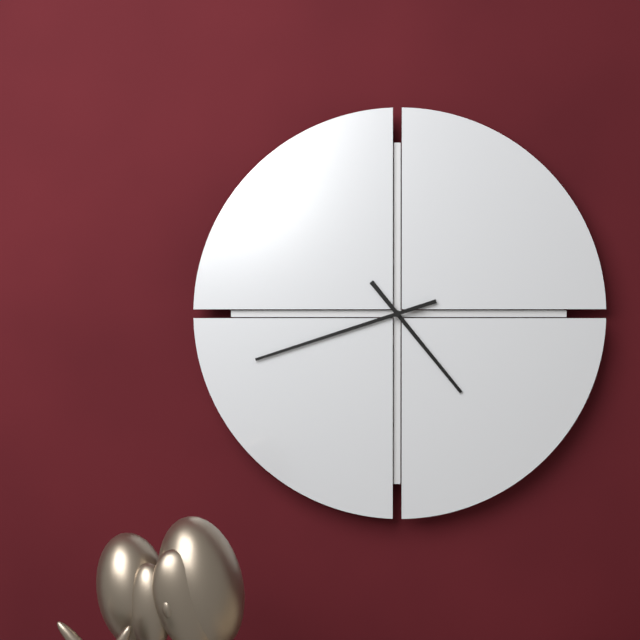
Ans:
4h42
